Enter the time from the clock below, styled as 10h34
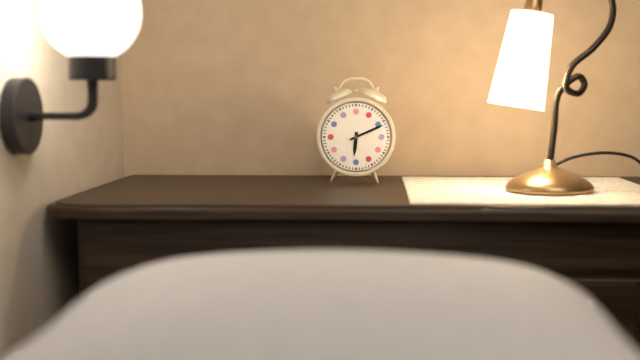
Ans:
6h11
